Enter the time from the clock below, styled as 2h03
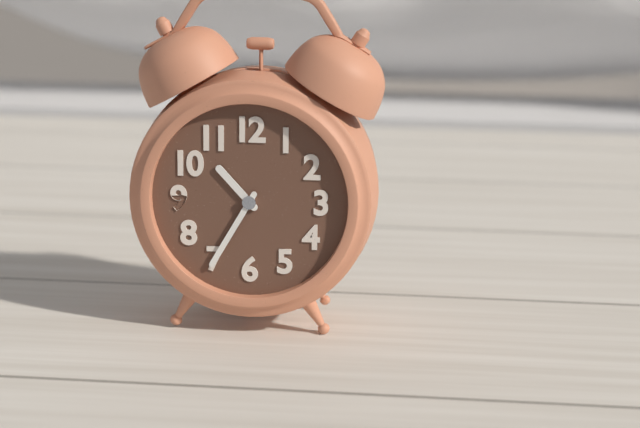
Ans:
10h35
